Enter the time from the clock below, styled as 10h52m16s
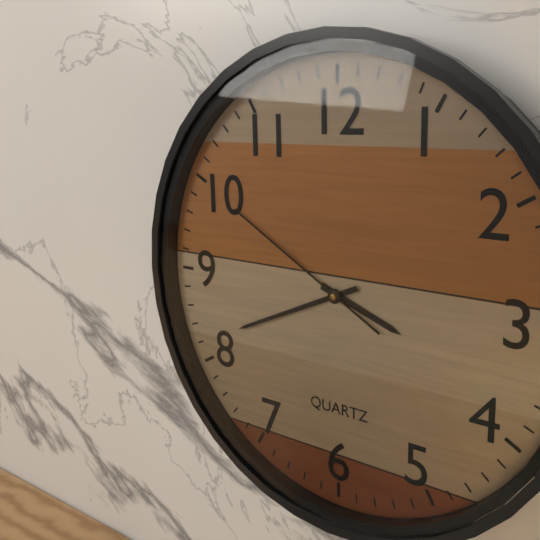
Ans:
3h41m50s
